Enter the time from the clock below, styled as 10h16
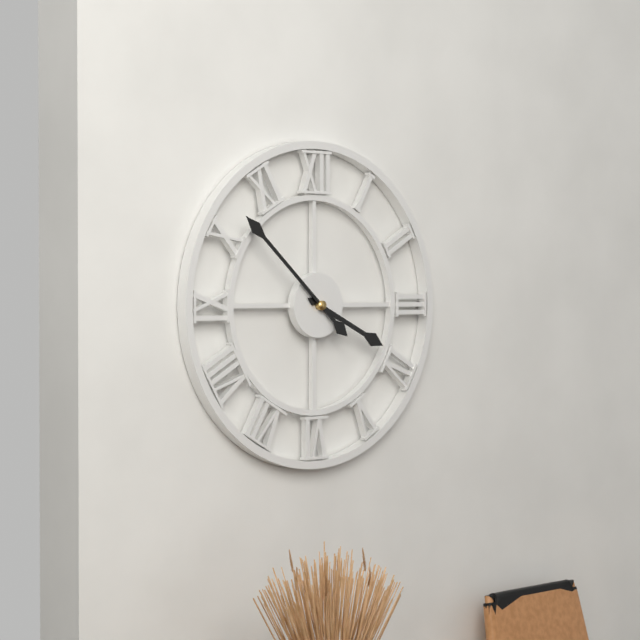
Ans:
3h52
